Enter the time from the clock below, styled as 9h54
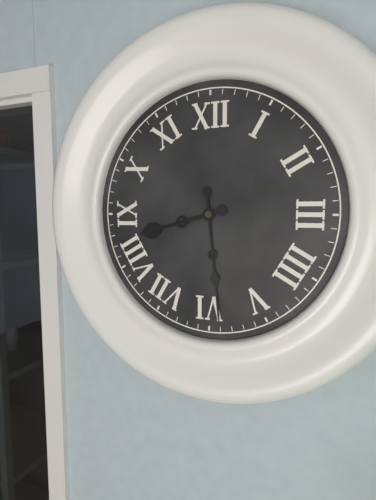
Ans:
8h29
